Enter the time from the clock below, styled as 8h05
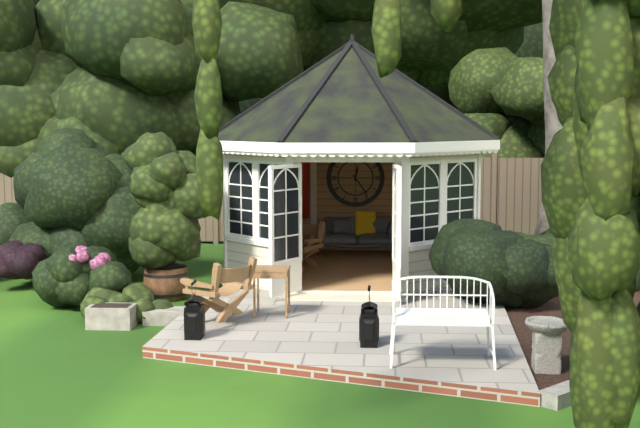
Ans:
12h24
